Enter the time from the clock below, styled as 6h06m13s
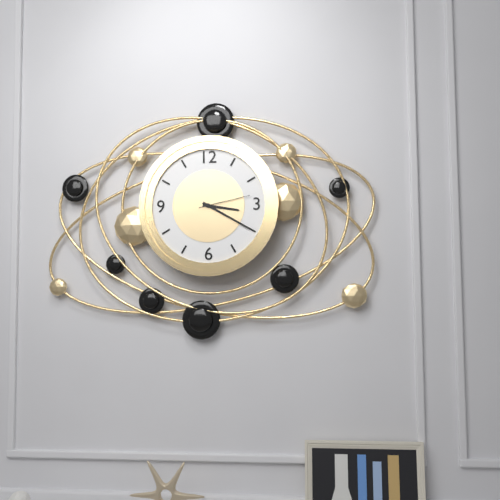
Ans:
3h20m13s
